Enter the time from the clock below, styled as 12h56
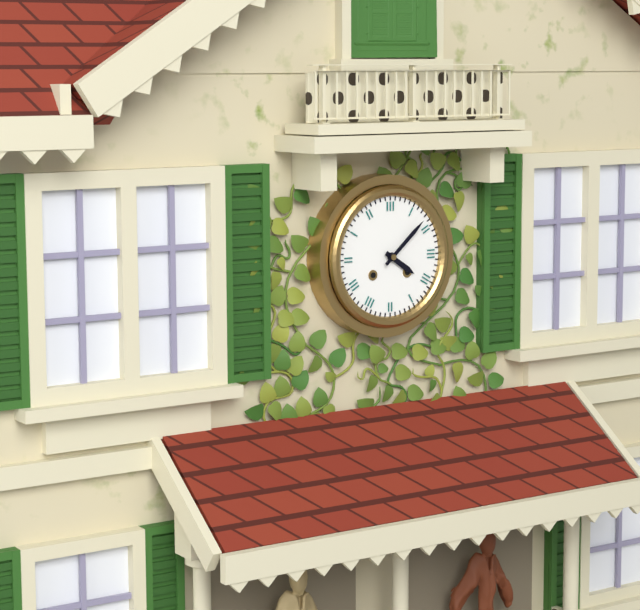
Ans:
4h08
